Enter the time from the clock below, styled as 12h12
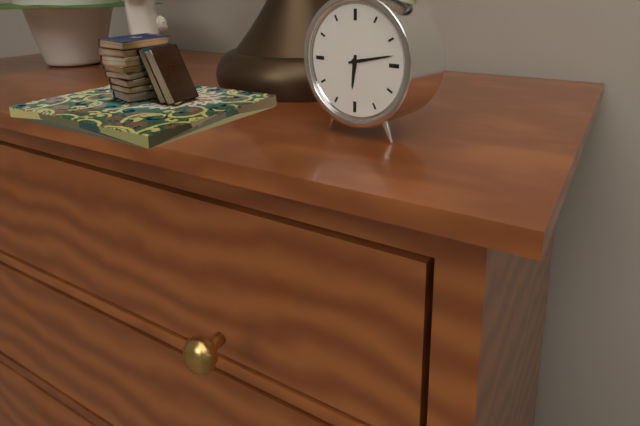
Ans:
6h13
